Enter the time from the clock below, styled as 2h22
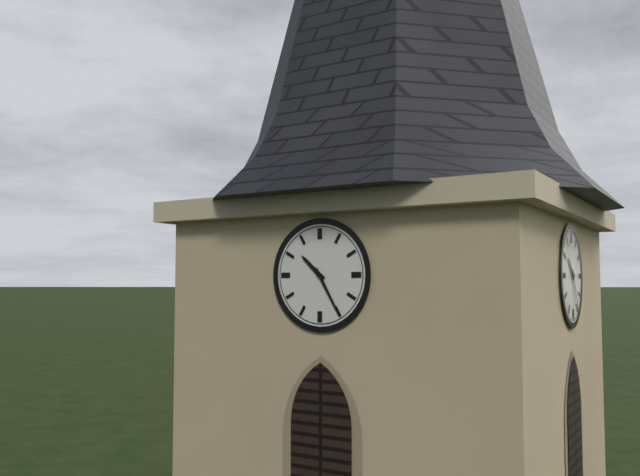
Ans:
10h25
